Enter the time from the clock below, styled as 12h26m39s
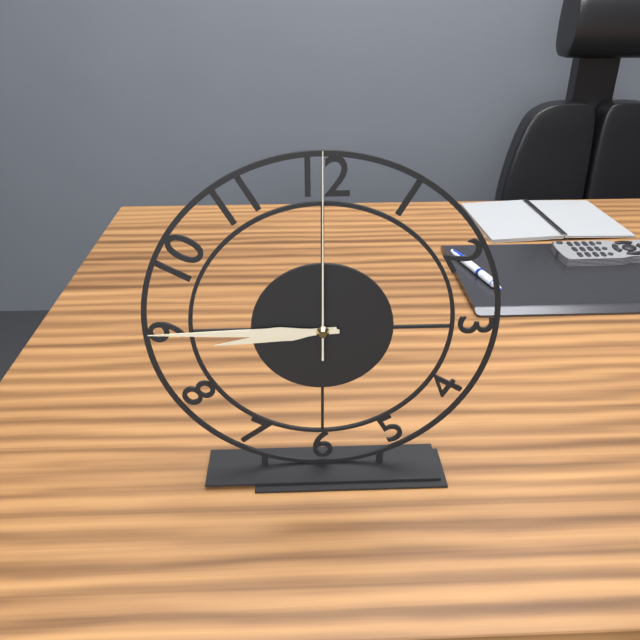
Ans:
8h45m00s
